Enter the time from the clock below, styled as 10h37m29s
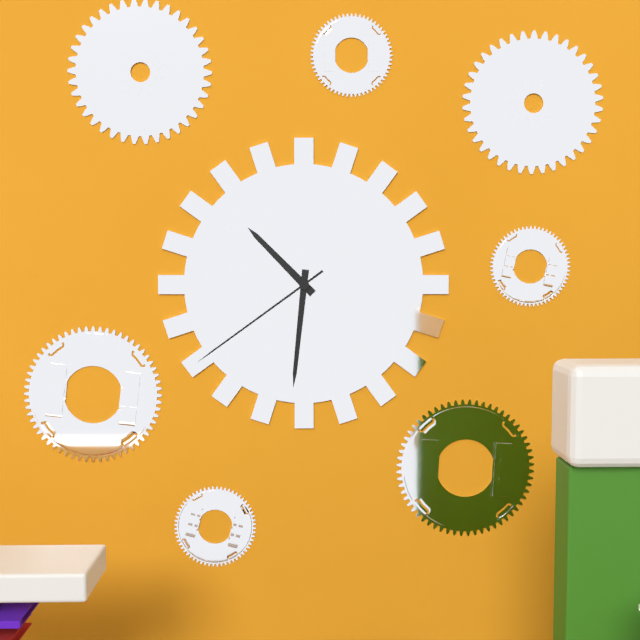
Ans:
10h31m39s
